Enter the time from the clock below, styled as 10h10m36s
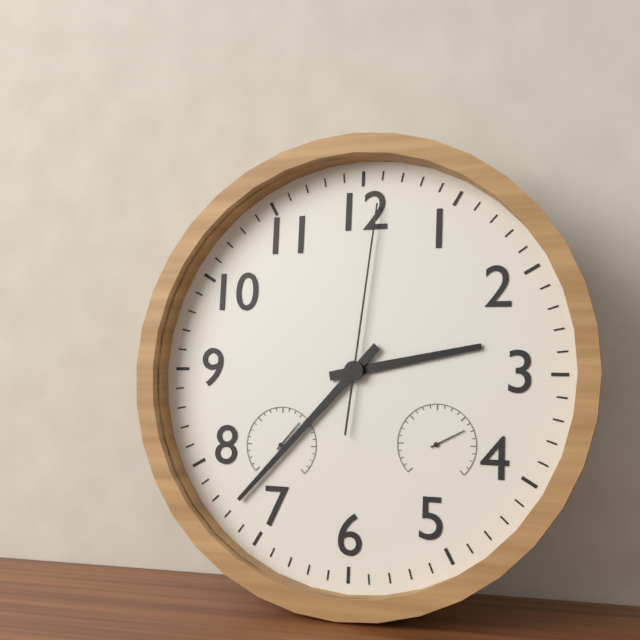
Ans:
2h37m01s
